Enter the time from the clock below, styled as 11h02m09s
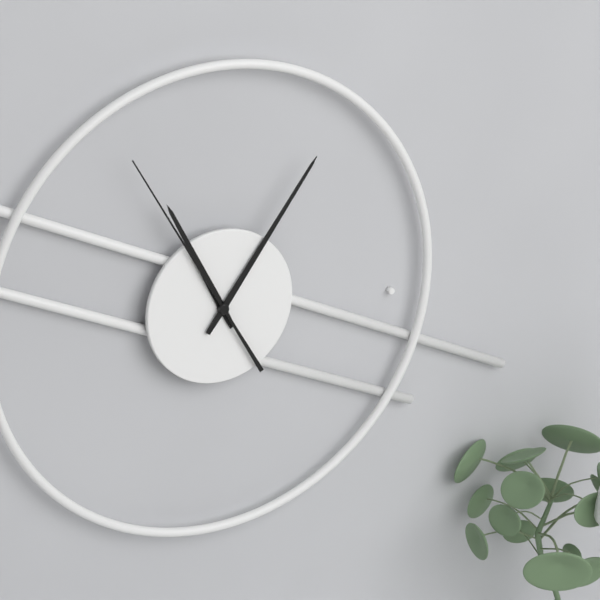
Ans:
11h06m55s
